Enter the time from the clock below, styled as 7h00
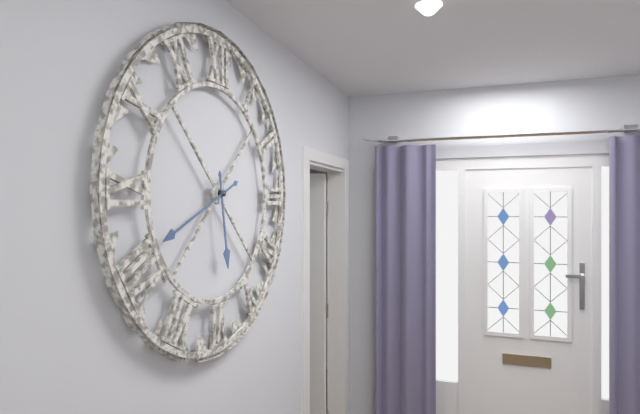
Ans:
5h41
